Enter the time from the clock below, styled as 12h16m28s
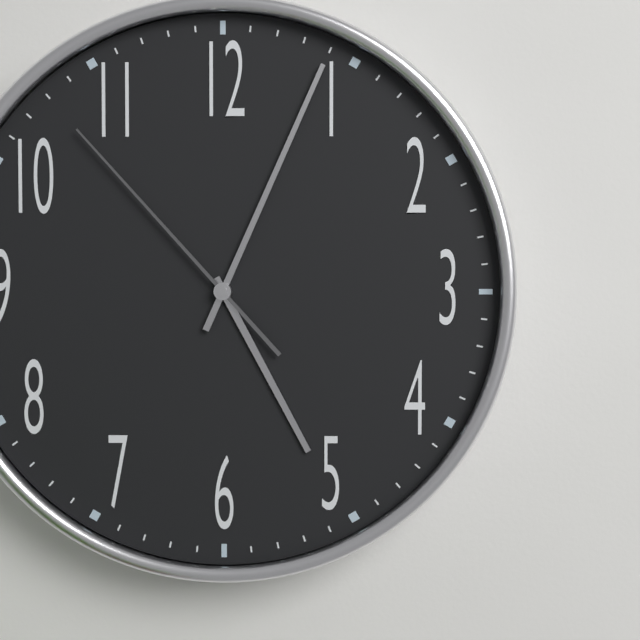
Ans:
5h04m53s
